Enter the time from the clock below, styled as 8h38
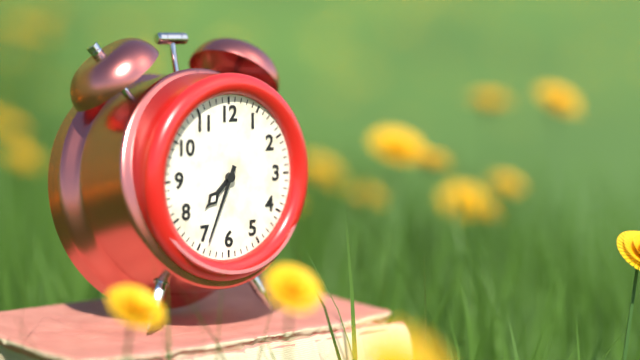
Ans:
7h34
